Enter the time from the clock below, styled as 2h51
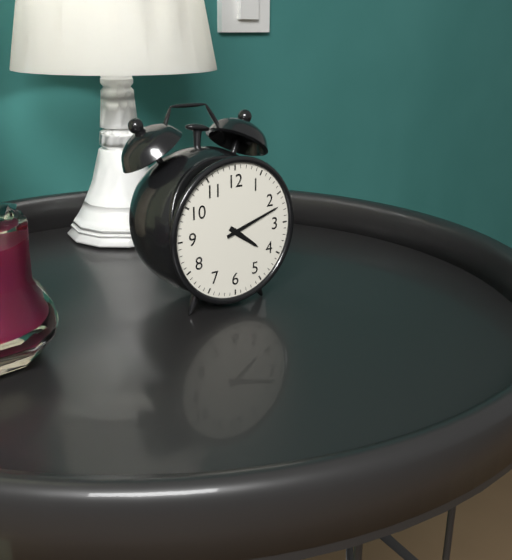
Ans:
4h12
